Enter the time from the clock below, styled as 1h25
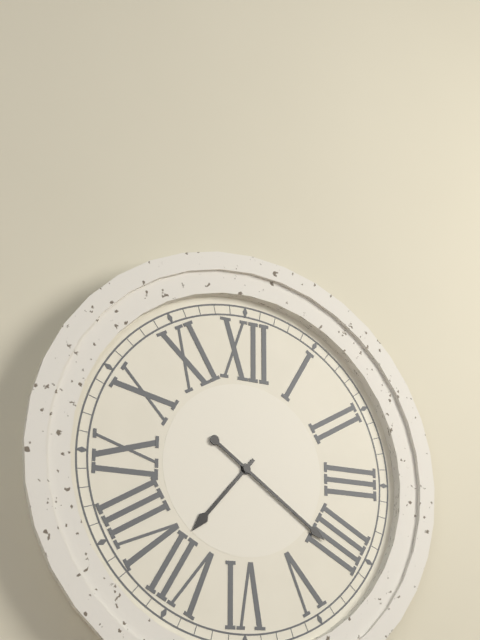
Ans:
7h21
